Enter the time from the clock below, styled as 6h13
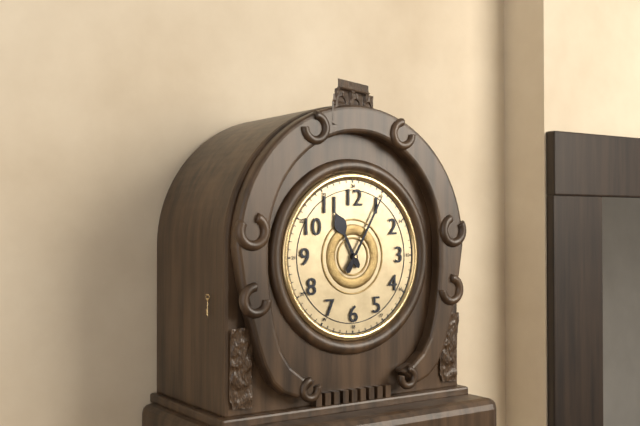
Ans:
11h05
